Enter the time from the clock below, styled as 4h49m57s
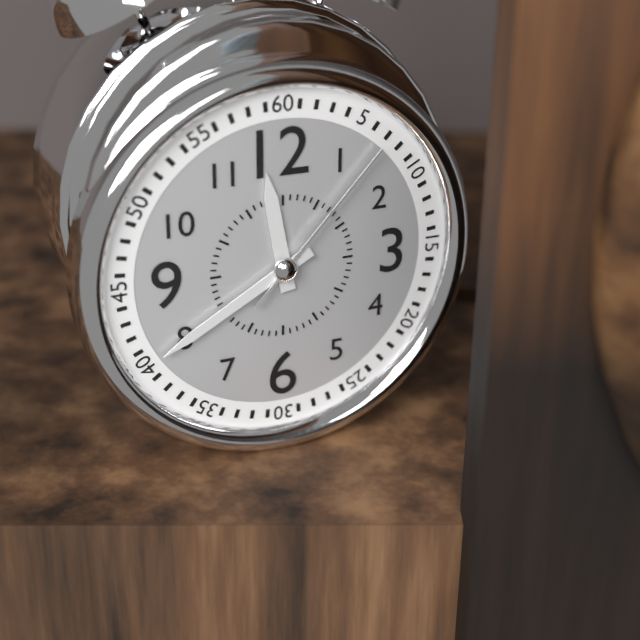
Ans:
11h40m07s
